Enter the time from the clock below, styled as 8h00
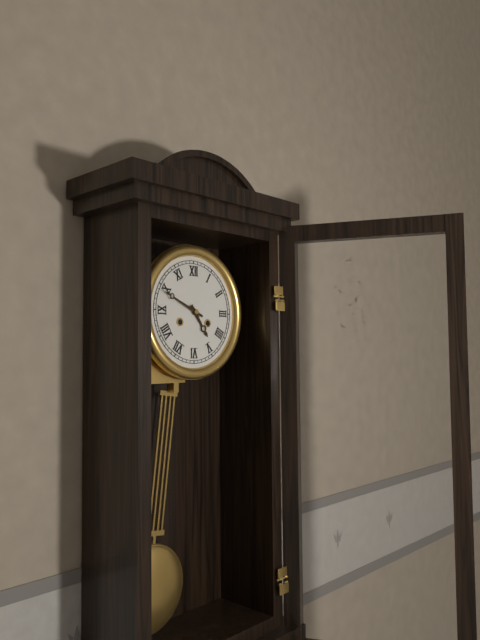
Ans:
4h49
